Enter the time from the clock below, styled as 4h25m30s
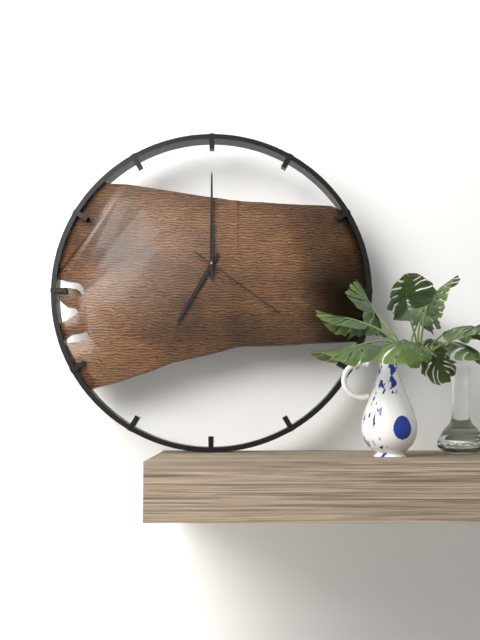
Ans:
7h00m21s
